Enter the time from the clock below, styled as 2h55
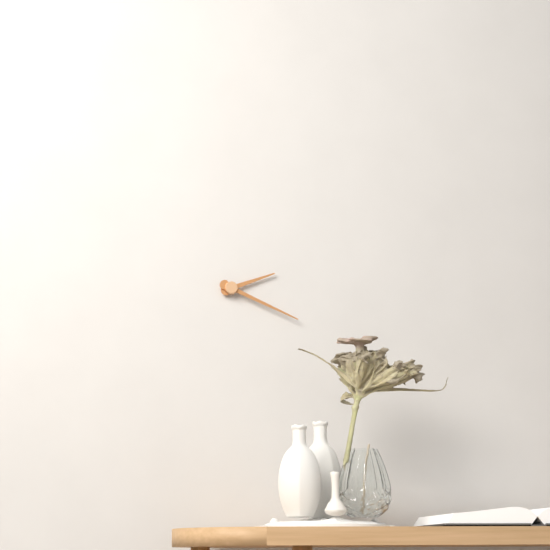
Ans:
2h19
